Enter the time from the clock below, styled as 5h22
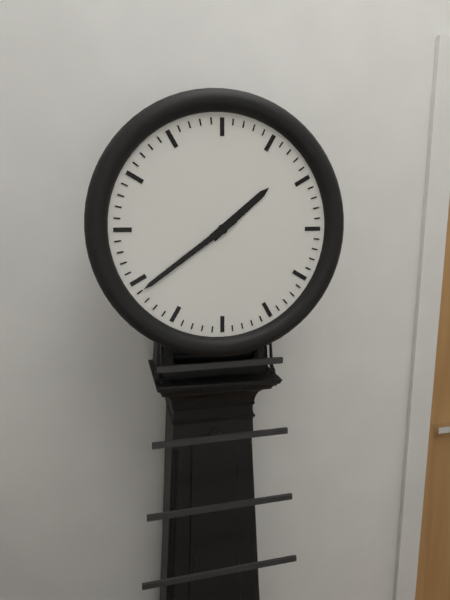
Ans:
1h39
